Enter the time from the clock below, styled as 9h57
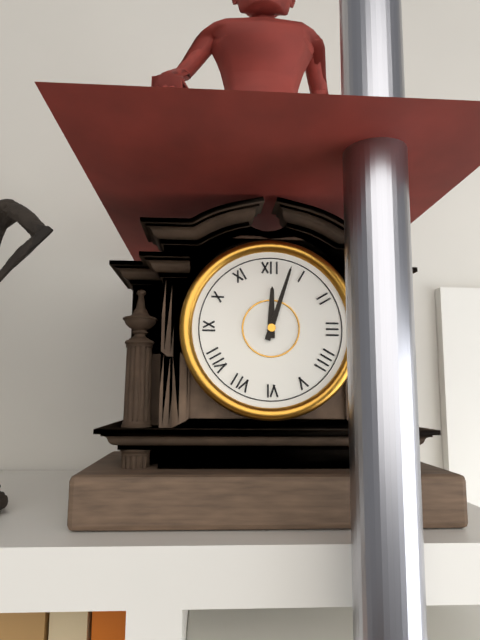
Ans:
12h03
